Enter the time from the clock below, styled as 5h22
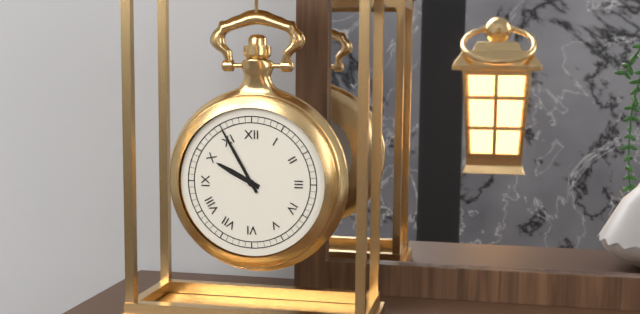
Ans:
9h55
